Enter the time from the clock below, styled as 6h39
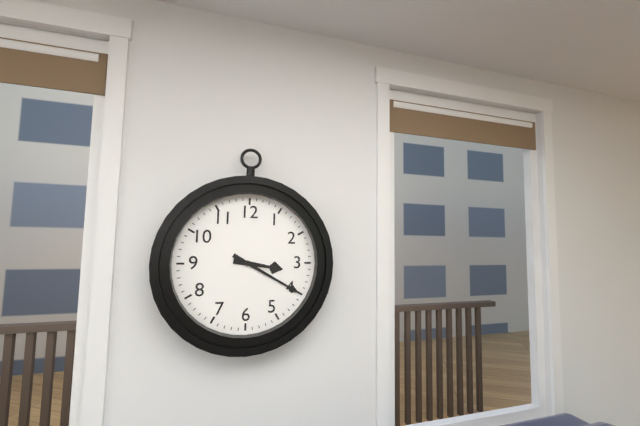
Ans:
3h20
